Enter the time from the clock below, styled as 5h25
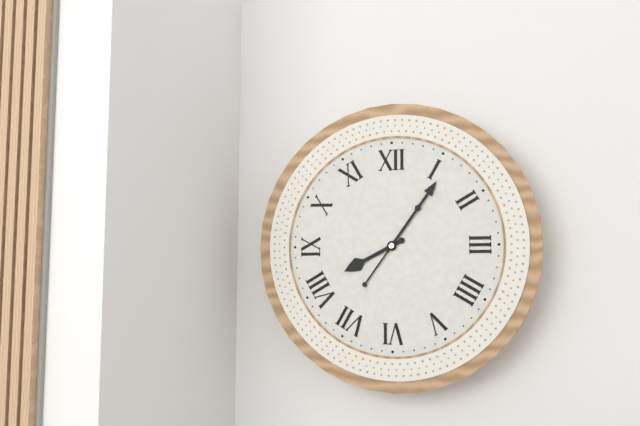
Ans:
8h06
